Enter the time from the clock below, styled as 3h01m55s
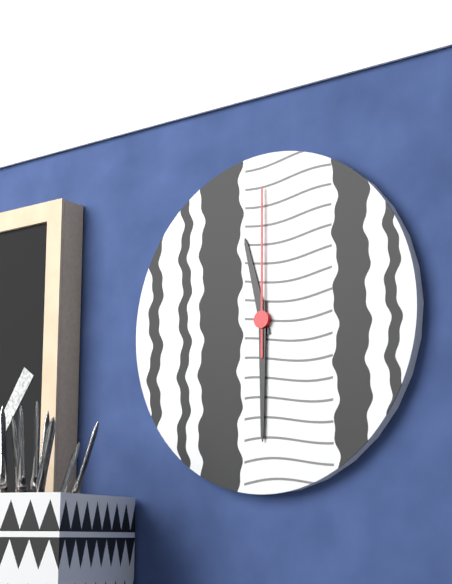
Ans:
11h30m00s
